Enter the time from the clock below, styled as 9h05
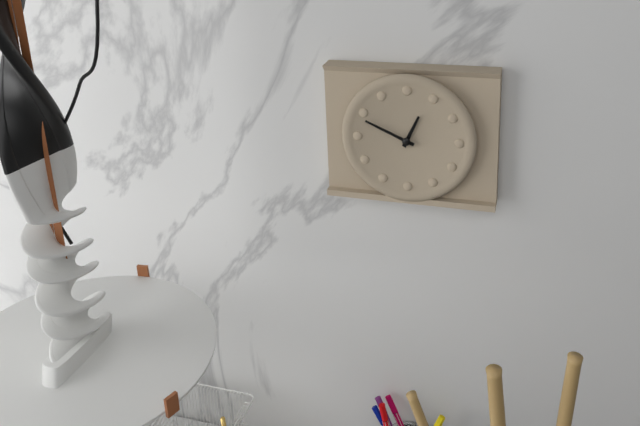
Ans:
12h49
